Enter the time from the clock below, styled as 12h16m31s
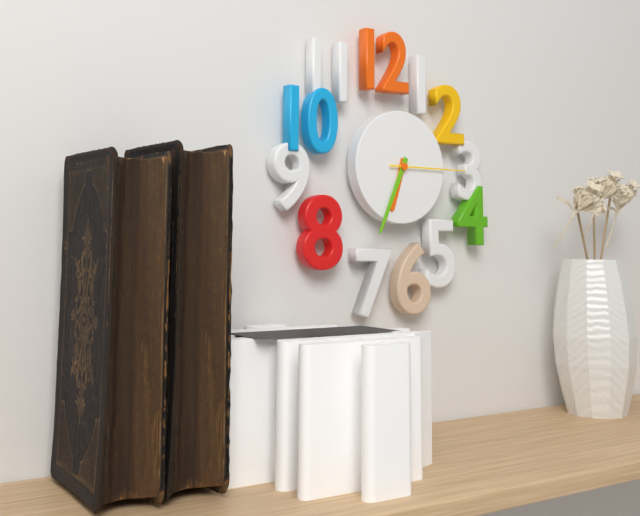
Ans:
6h34m15s
